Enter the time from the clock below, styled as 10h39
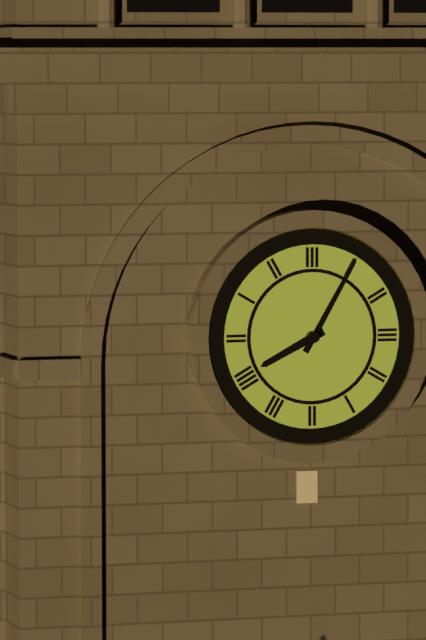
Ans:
8h05
